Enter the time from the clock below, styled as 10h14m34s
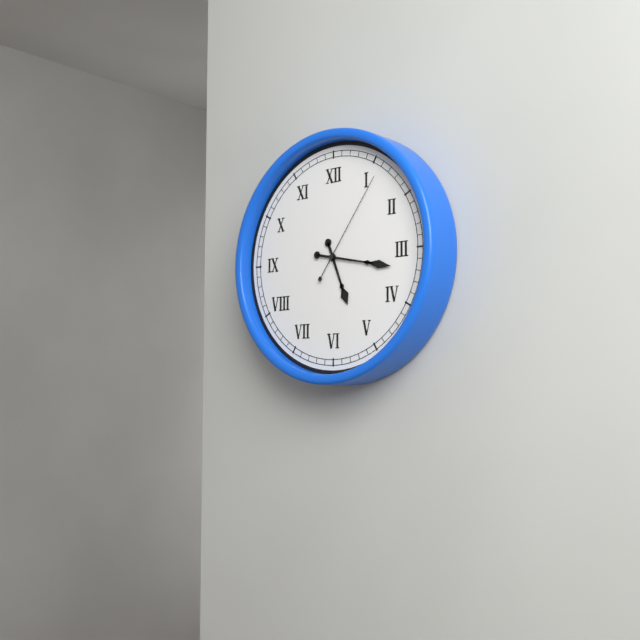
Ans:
5h17m06s
